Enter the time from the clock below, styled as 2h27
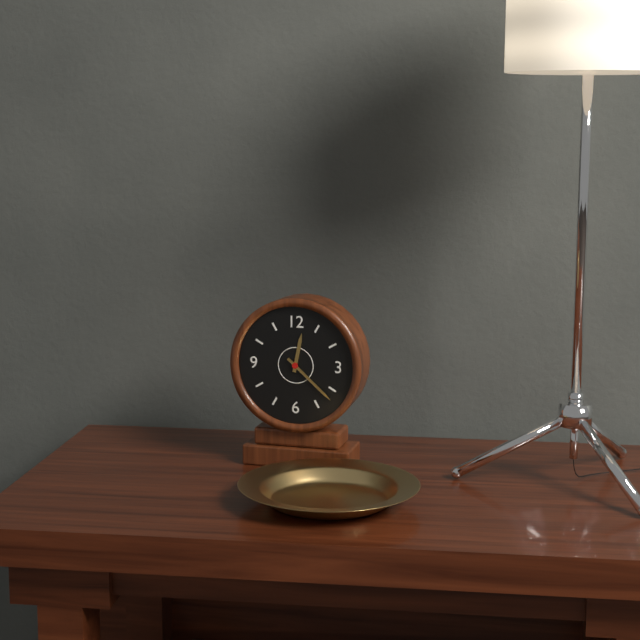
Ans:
12h22
